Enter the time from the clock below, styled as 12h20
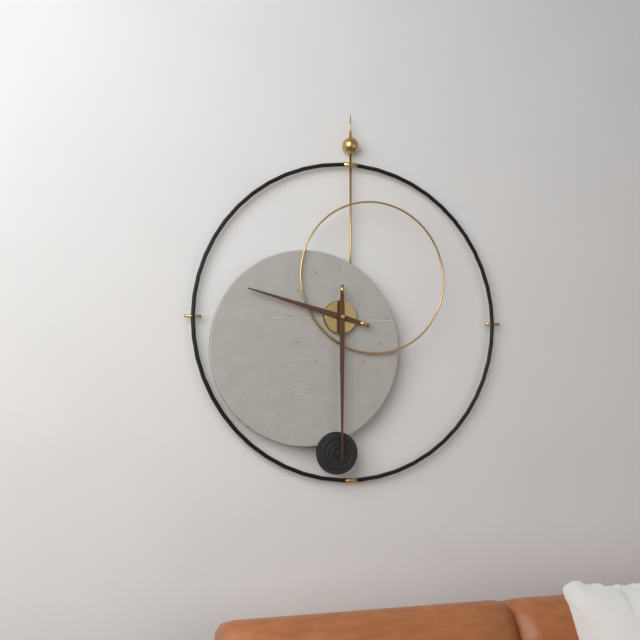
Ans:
9h30
